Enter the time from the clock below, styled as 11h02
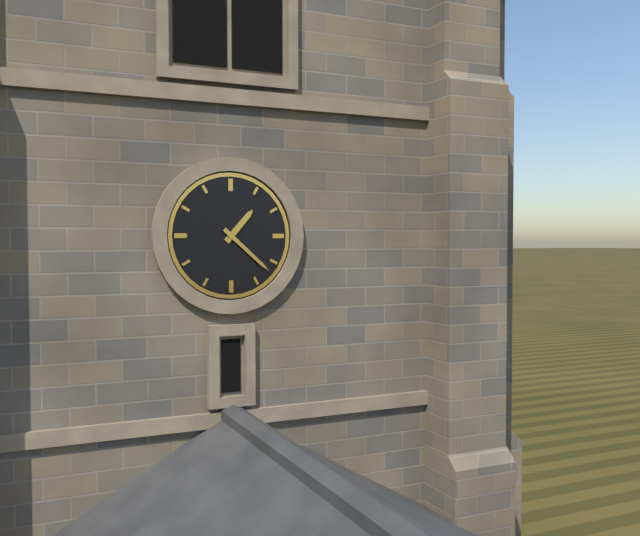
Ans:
1h22
